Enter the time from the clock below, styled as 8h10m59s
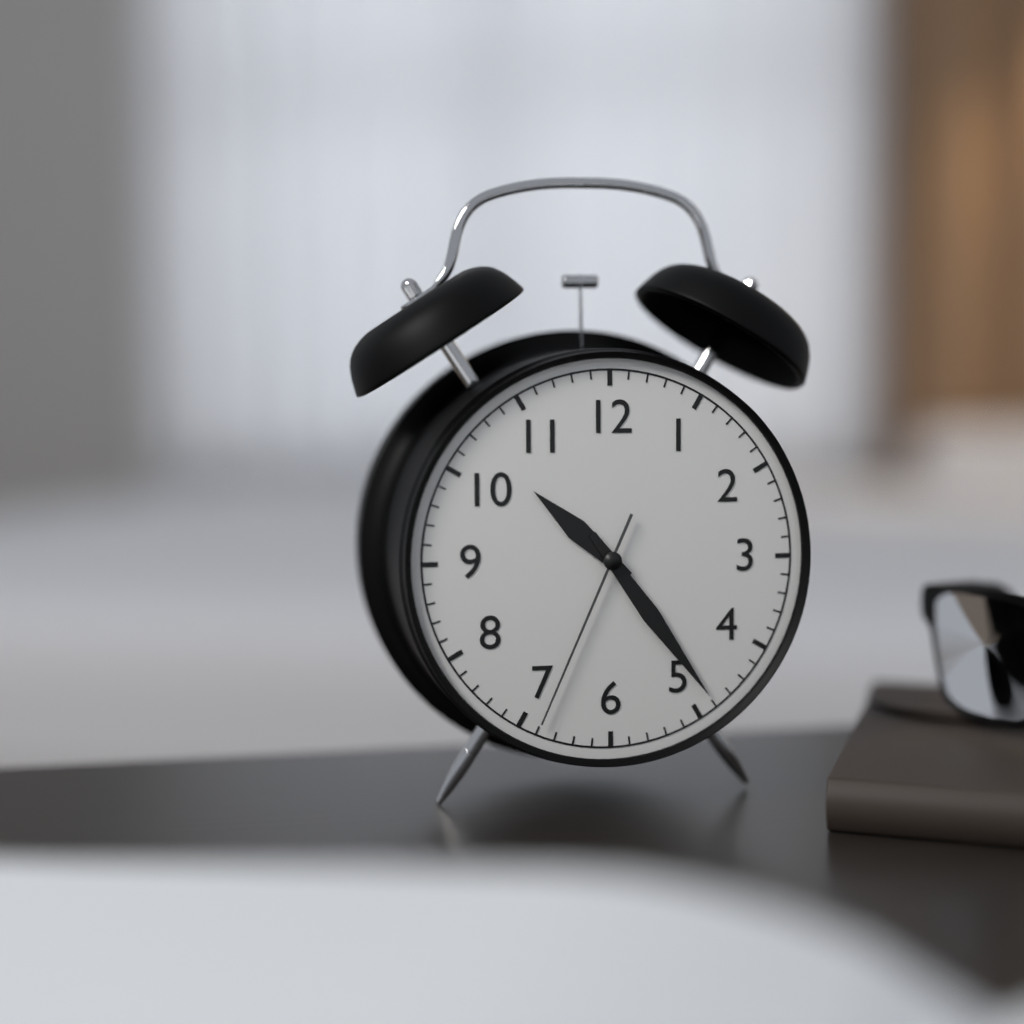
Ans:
10h24m34s
